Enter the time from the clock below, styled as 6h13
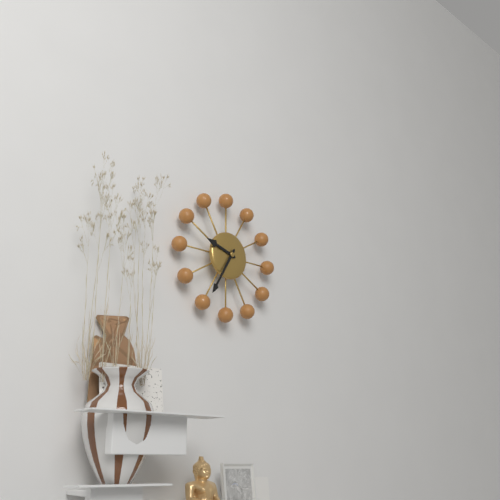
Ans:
9h35
